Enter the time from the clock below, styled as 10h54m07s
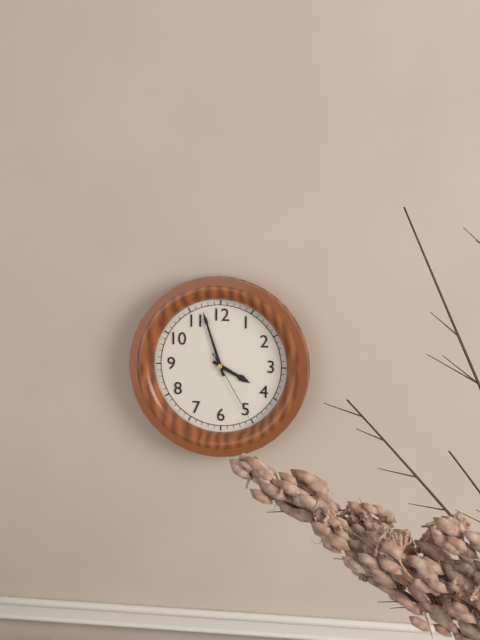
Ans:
3h57m25s
